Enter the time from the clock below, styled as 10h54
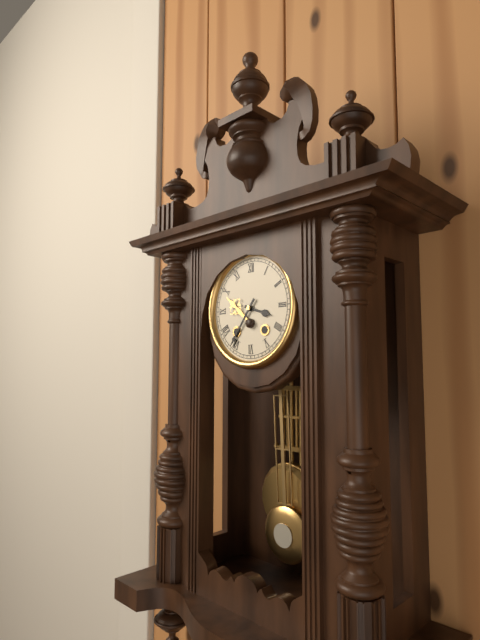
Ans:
3h36
